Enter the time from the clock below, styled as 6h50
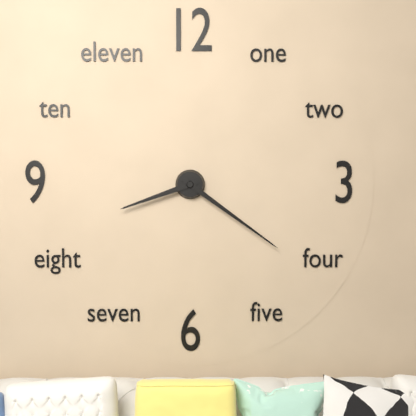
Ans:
8h21
